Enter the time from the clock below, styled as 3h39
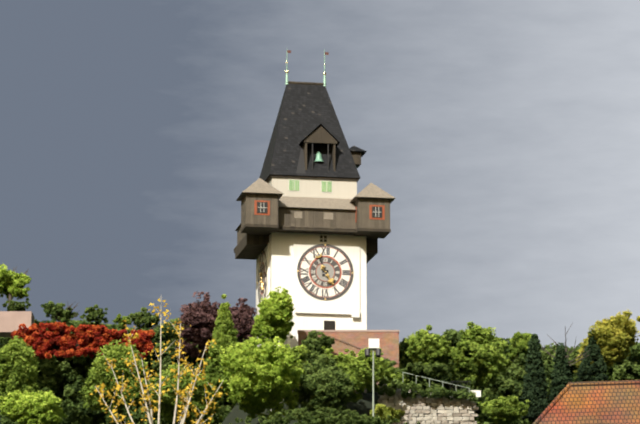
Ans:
4h56
